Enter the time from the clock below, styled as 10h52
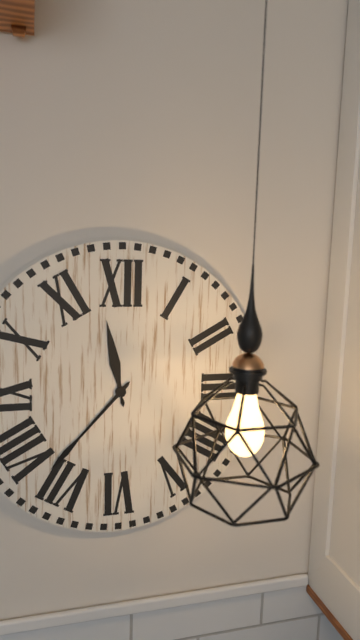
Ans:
11h37
